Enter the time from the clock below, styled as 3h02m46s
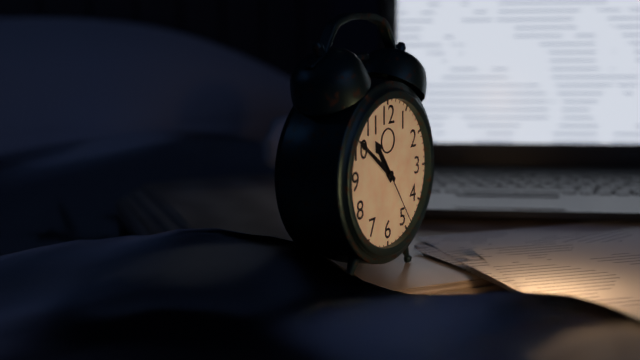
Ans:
10h51m24s
